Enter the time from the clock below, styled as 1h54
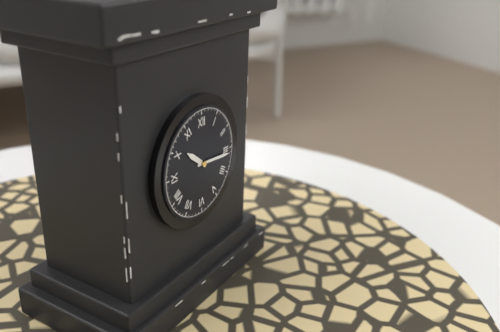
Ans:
10h16
